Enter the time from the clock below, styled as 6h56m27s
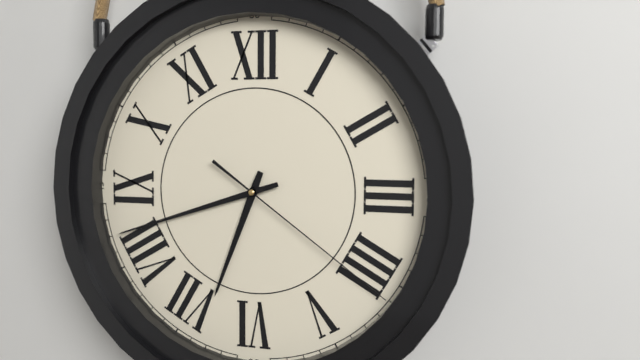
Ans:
6h42m21s
